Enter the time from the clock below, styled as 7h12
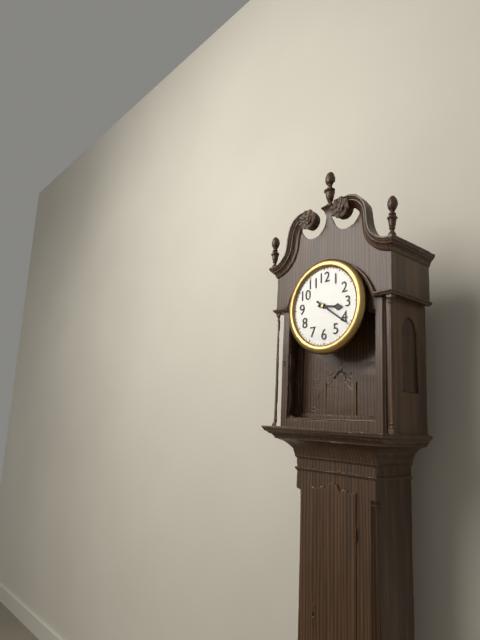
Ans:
3h21
